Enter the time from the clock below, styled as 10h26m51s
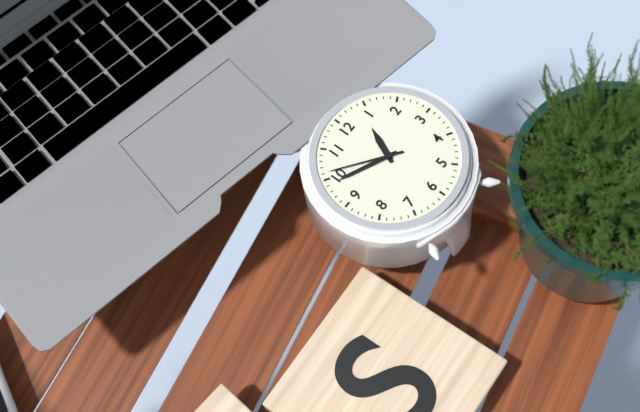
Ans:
12h49m51s
